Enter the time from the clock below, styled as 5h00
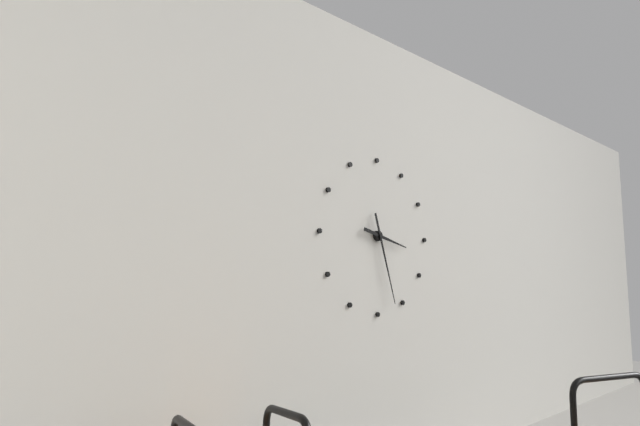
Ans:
3h27
